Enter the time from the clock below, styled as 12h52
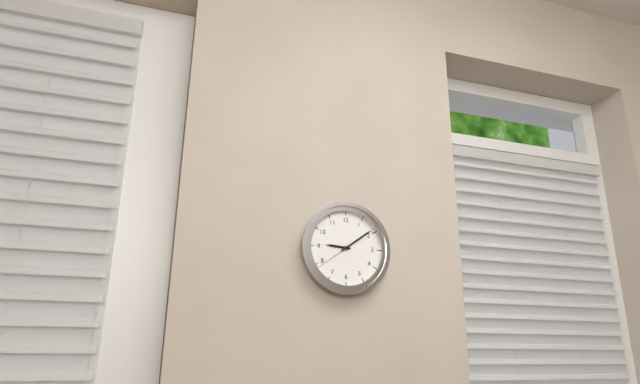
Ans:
9h09
